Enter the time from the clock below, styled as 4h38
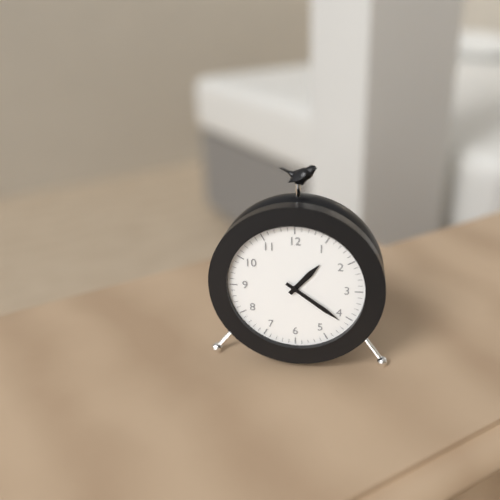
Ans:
1h21
